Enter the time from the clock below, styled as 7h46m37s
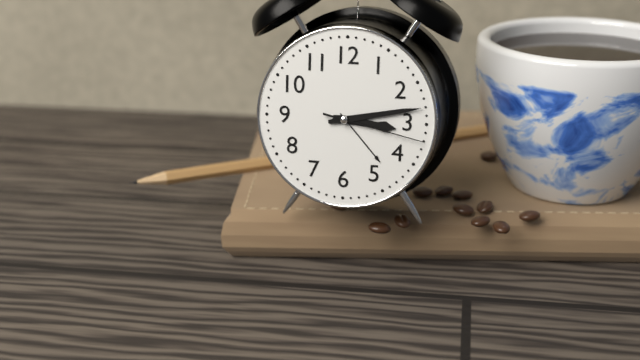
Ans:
3h13m17s
